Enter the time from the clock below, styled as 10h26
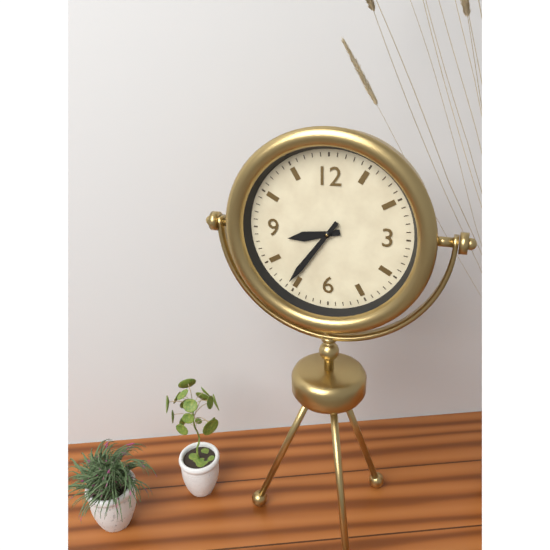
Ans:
8h36
